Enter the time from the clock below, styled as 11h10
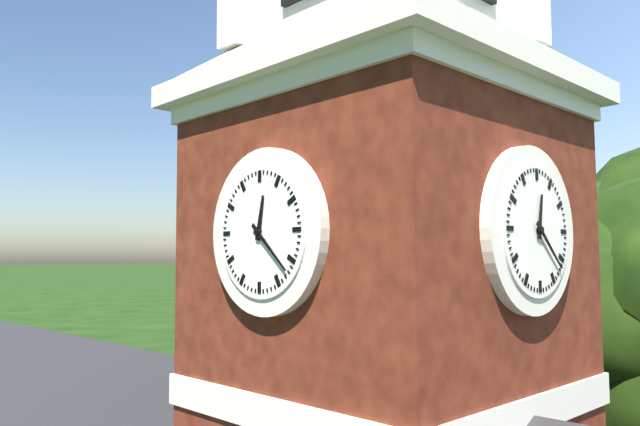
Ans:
12h22
